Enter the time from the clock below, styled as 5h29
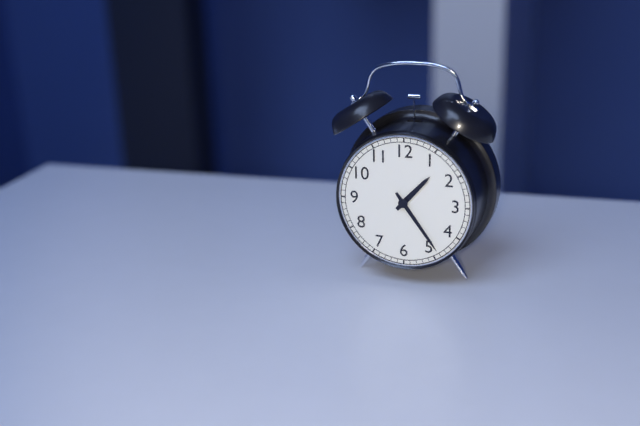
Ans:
1h24
